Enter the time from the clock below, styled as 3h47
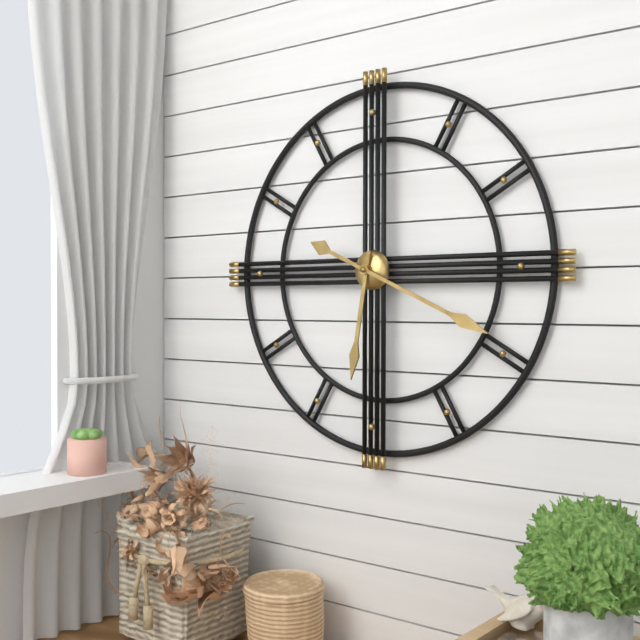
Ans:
6h19
